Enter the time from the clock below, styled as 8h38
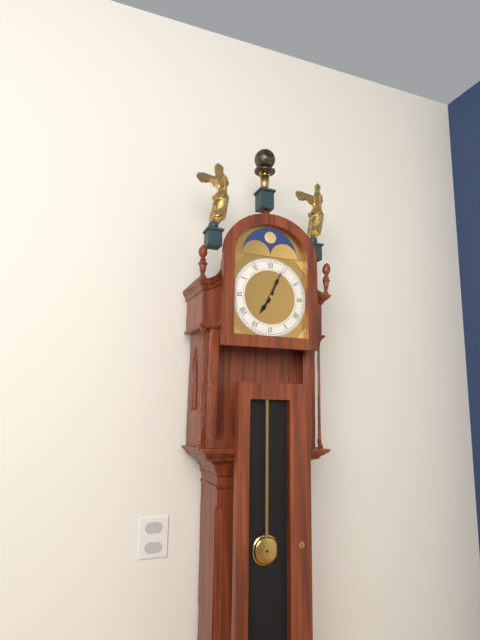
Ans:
7h04
